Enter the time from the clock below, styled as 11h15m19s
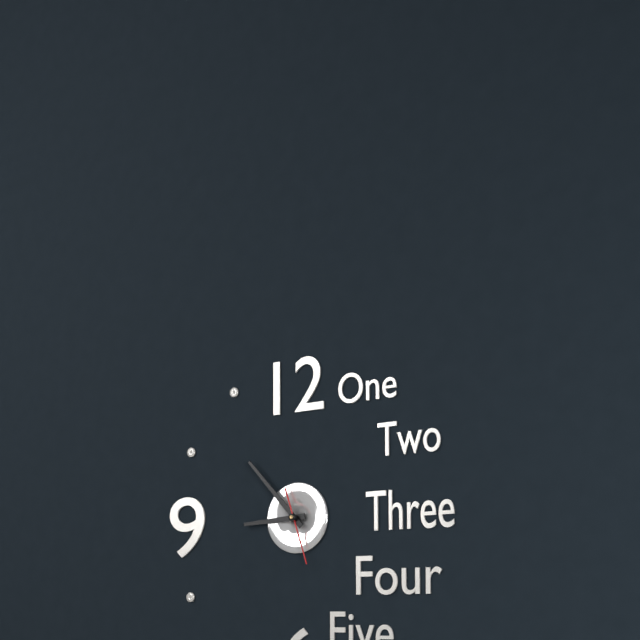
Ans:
8h53m27s
